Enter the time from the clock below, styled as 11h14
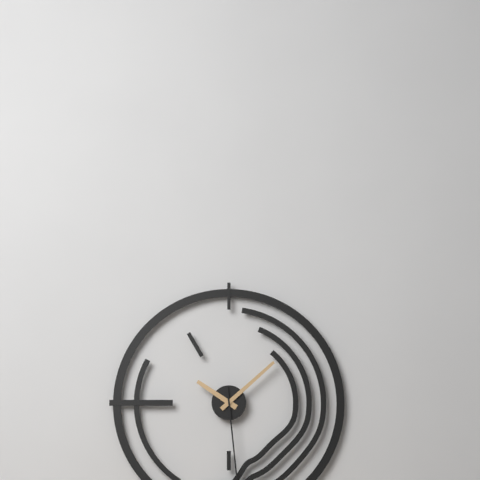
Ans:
10h08
